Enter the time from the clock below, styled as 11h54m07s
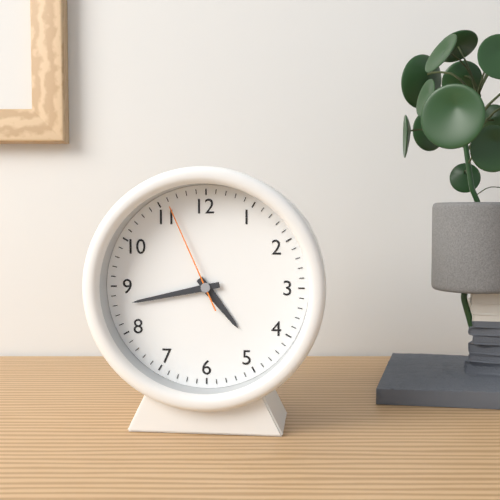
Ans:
4h43m56s
